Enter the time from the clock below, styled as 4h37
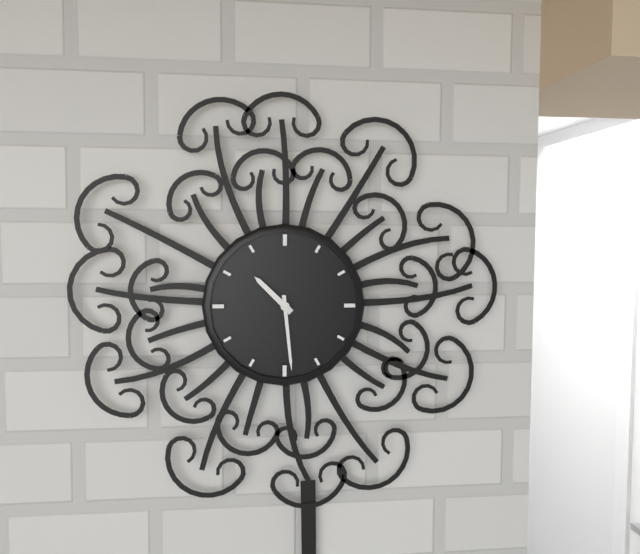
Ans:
10h29
